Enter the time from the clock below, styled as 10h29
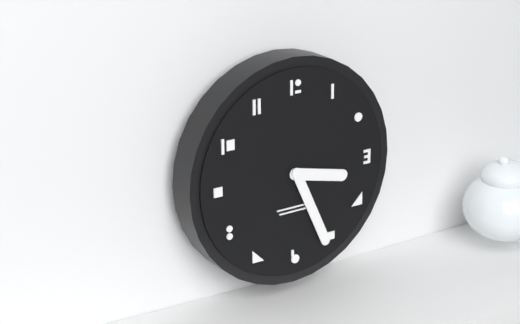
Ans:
3h26
